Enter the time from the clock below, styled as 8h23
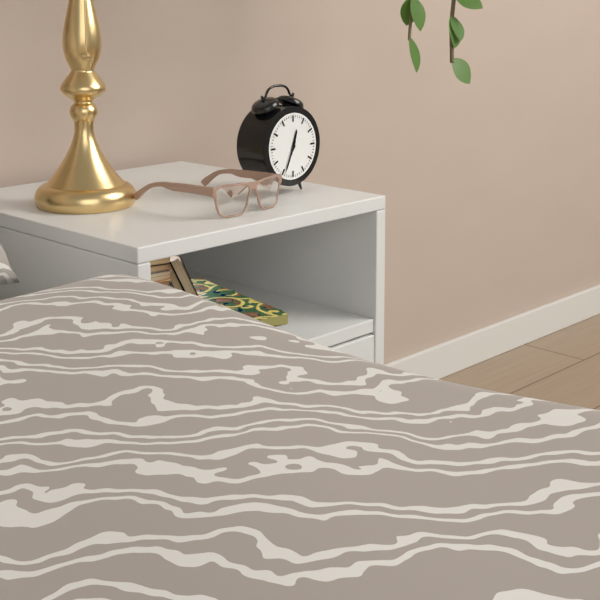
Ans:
12h34
